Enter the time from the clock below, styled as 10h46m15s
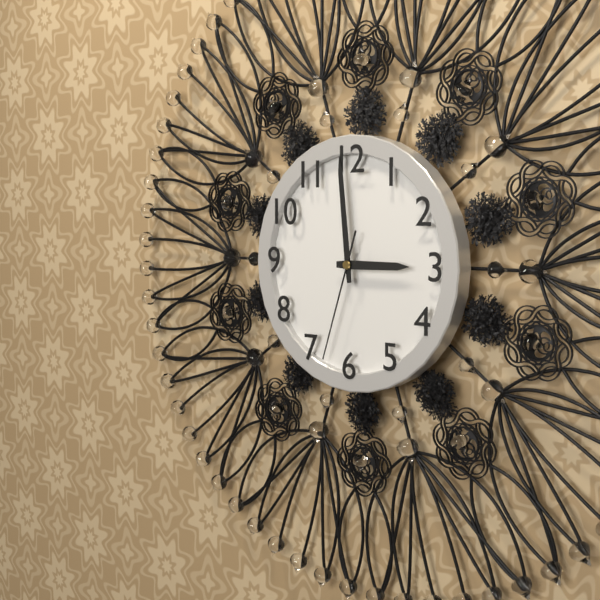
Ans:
2h59m33s
